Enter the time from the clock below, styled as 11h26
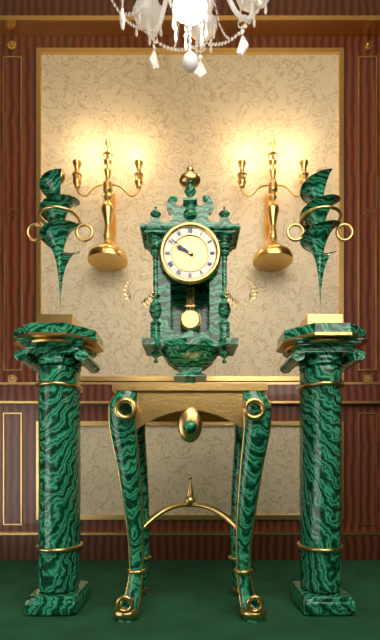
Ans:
9h51
